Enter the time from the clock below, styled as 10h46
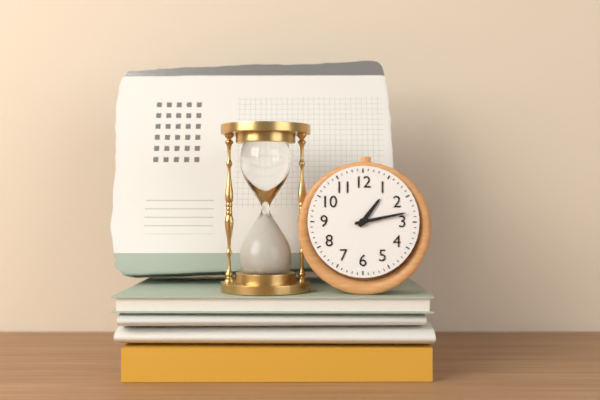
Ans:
1h13
